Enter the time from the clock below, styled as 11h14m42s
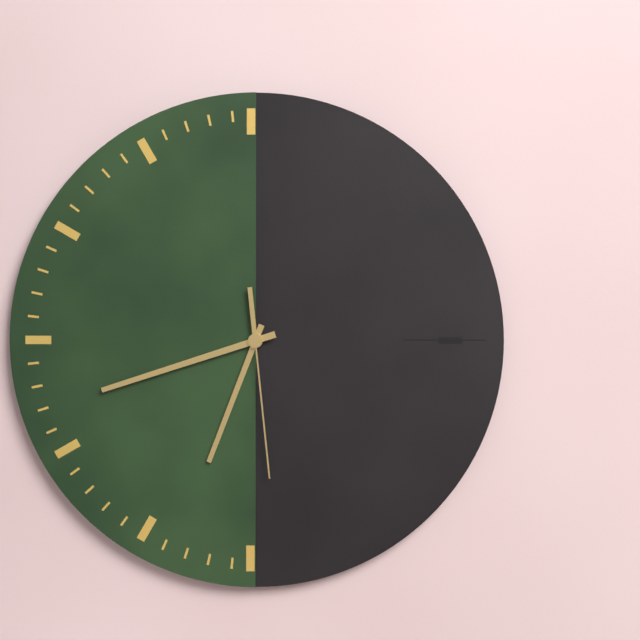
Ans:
6h42m29s
